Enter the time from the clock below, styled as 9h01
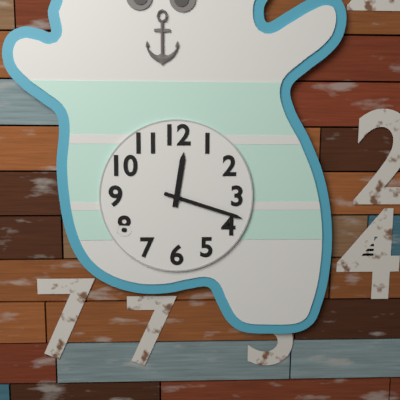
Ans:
12h18
